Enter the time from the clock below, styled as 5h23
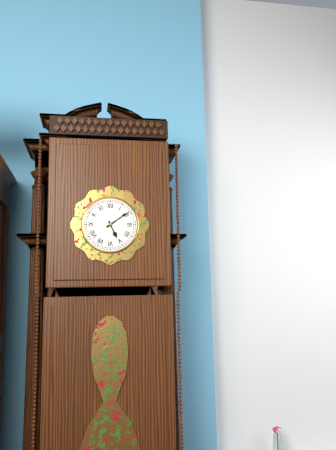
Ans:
5h09
